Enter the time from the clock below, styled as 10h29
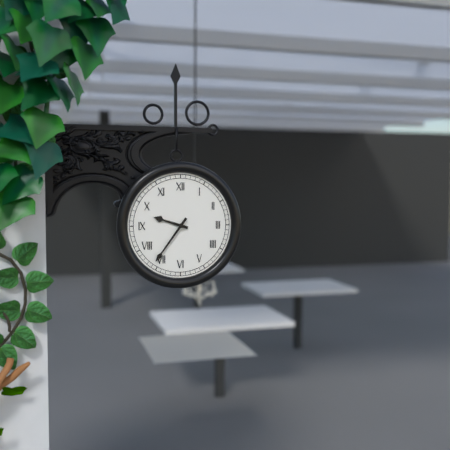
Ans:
9h36
